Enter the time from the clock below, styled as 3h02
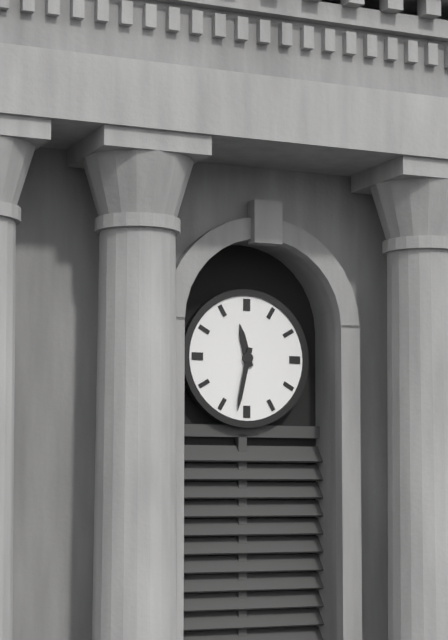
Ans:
11h32
